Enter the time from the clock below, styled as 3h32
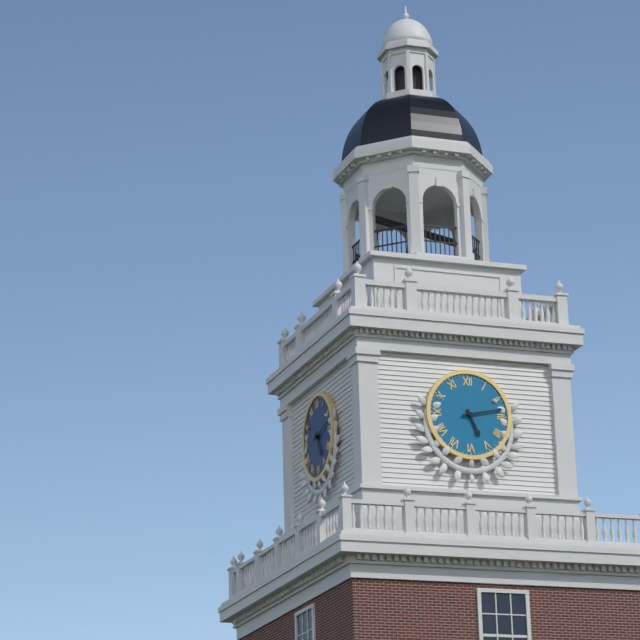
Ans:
5h13
